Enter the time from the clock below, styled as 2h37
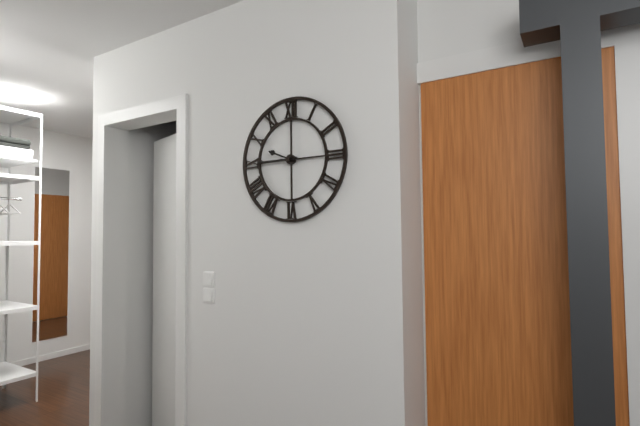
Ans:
9h45
